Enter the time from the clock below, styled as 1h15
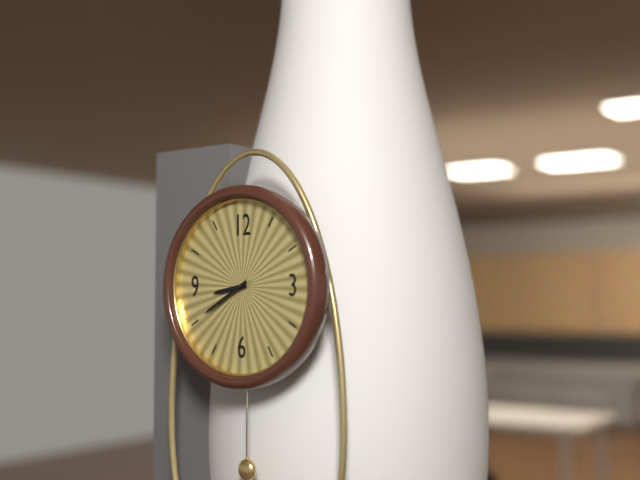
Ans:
8h40
